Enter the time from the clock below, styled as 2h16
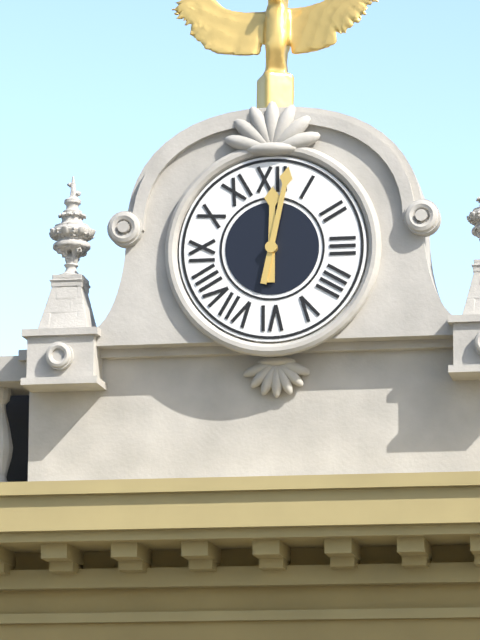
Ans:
12h02
